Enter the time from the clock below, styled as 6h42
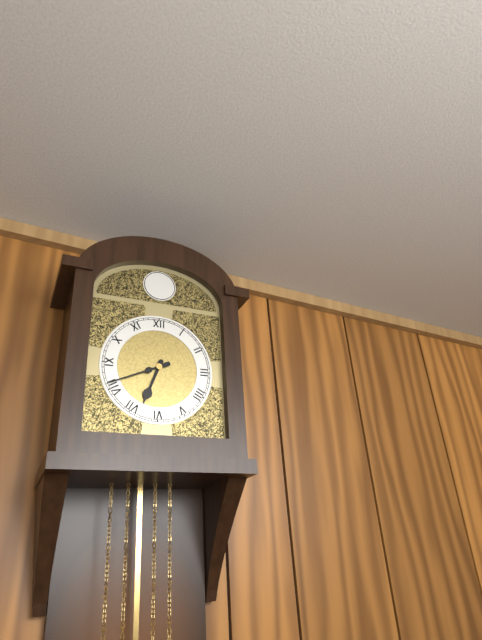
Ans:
6h41
